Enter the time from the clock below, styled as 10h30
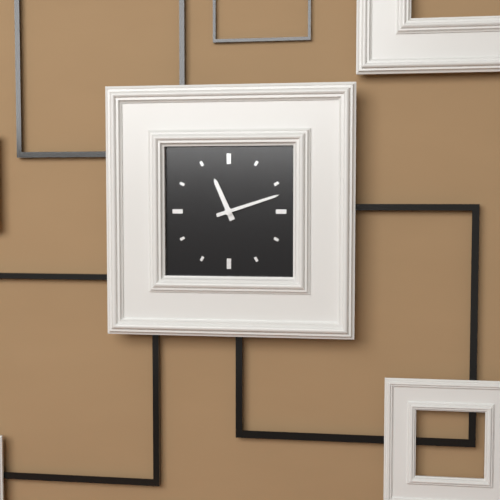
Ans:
11h12
